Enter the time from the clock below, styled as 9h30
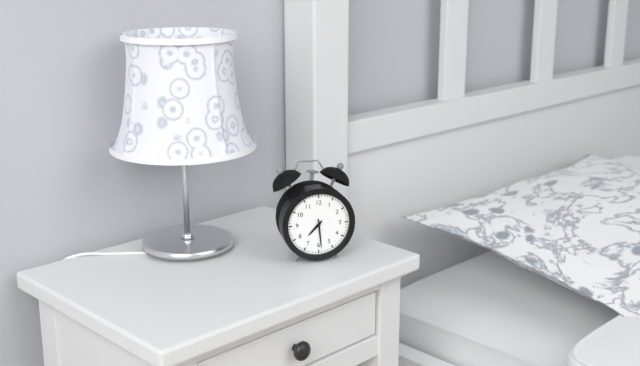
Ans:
7h29
